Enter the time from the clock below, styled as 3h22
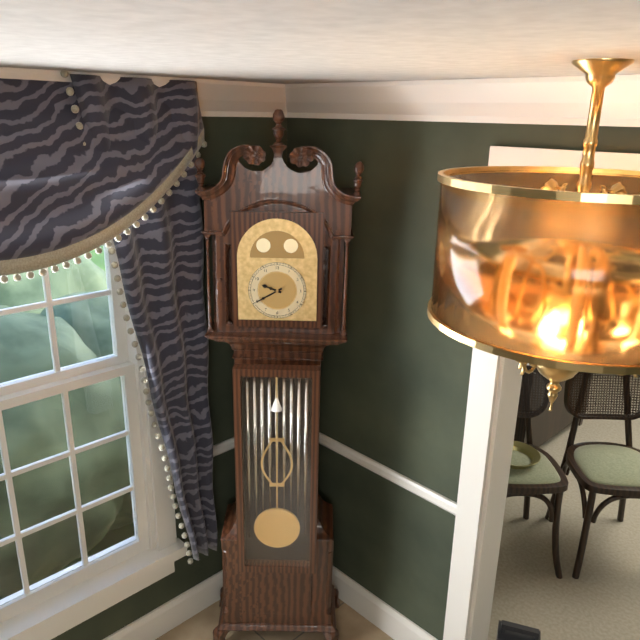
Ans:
9h40
